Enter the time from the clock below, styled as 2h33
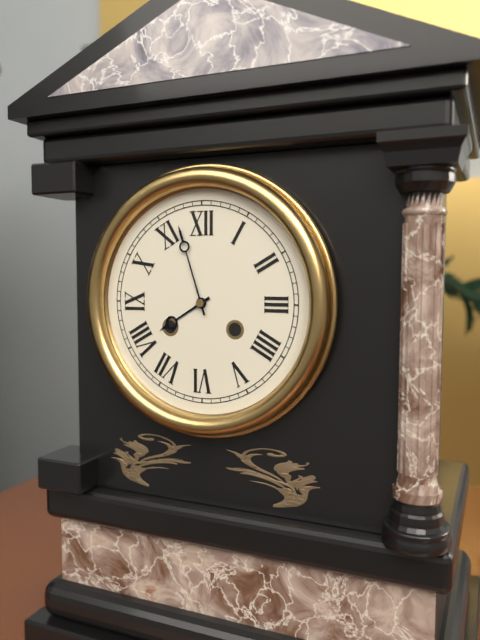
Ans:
7h57
